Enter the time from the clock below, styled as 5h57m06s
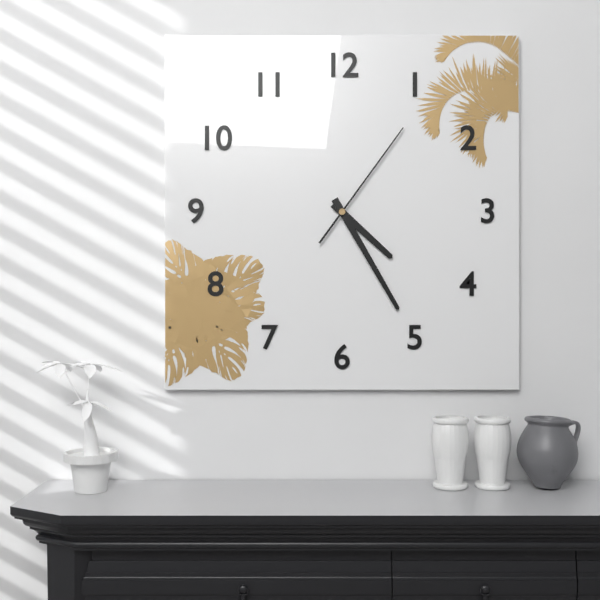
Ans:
4h25m06s
